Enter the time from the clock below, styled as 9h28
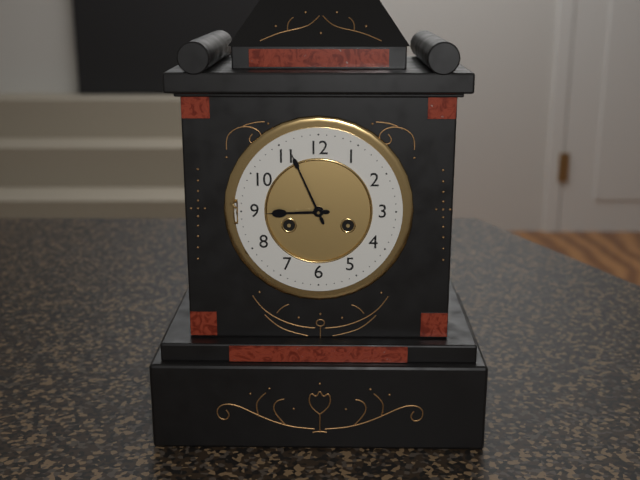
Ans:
8h56
